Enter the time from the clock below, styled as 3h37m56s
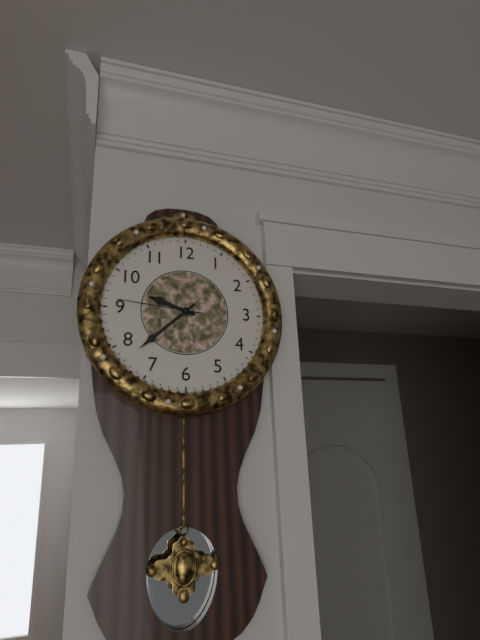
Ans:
9h38m46s
